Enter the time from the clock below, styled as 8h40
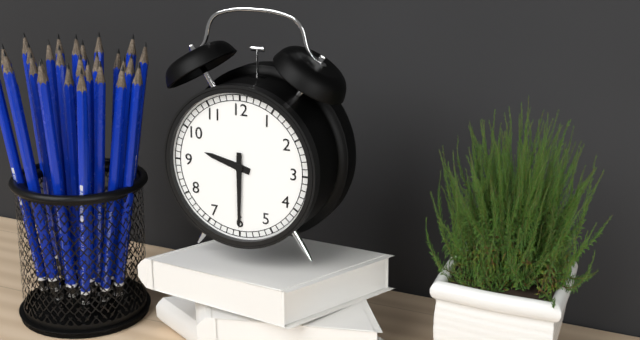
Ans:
9h30
